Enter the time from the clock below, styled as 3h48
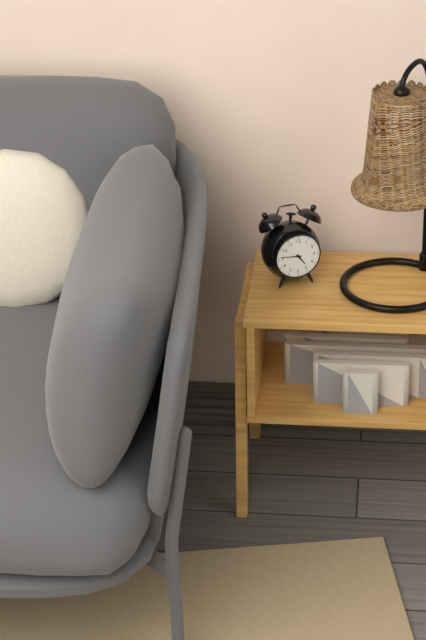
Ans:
4h46
